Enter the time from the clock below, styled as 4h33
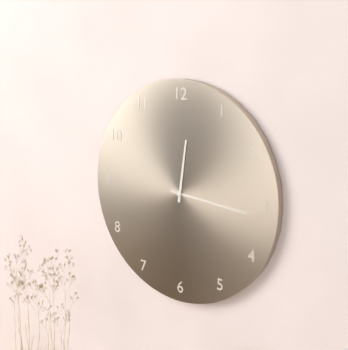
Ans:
12h16
